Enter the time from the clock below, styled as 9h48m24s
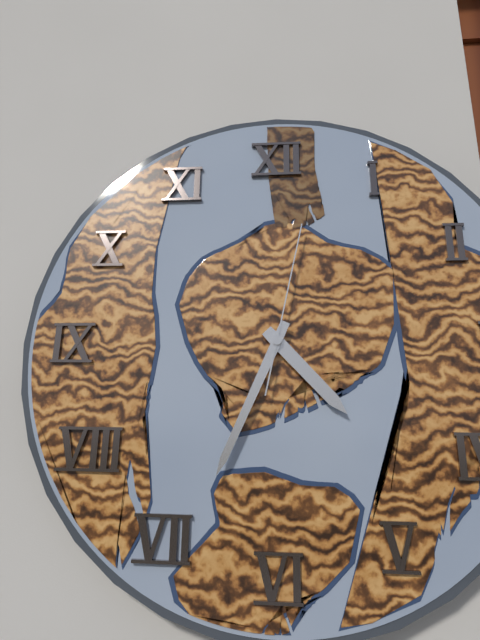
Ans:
4h34m02s
